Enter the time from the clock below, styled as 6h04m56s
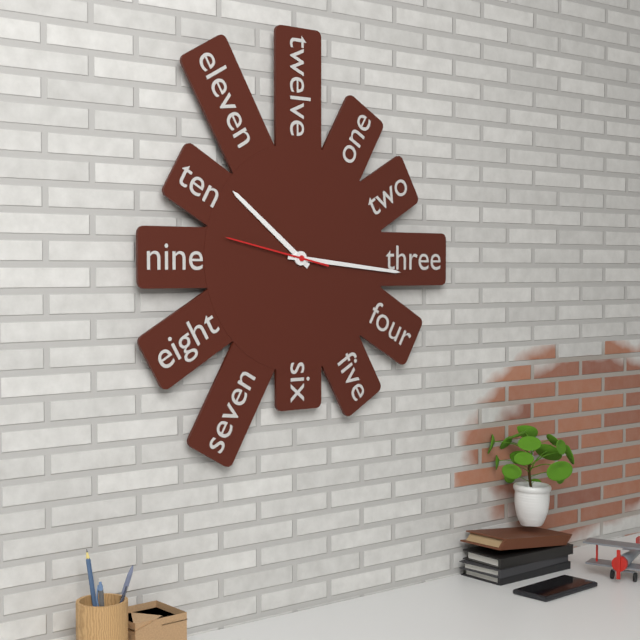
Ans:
10h16m47s
